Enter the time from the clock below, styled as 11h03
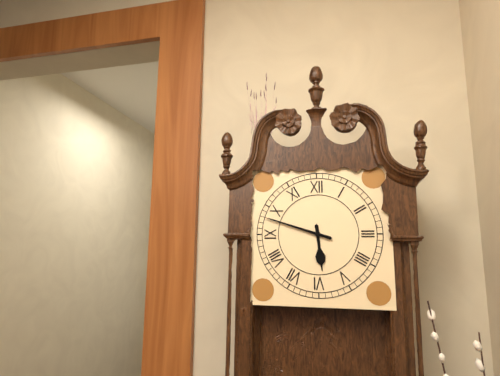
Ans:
5h48
